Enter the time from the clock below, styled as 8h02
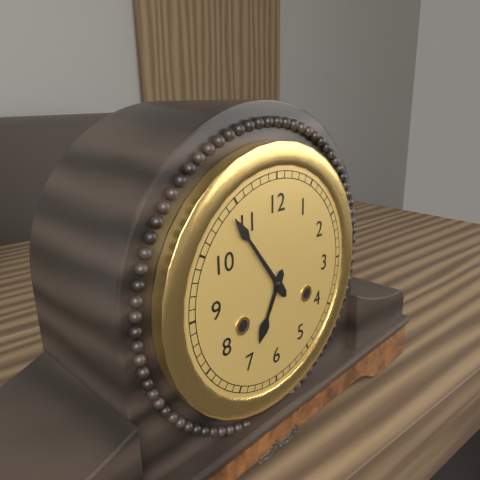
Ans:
6h54
